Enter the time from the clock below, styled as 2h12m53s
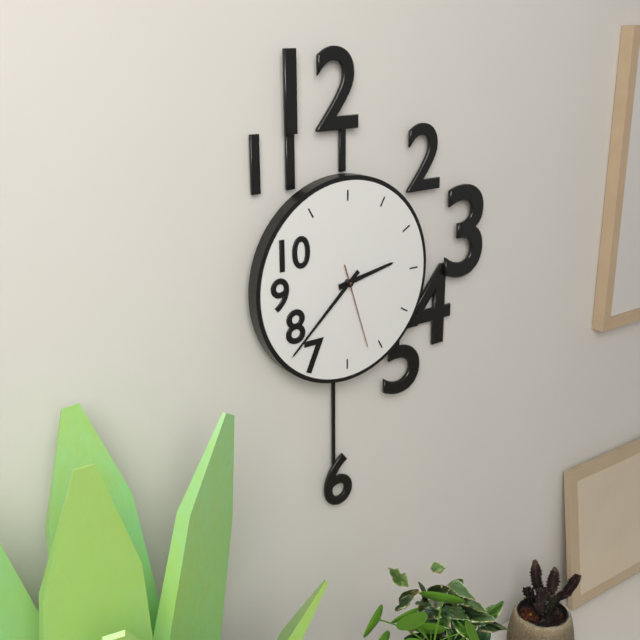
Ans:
2h38m27s
